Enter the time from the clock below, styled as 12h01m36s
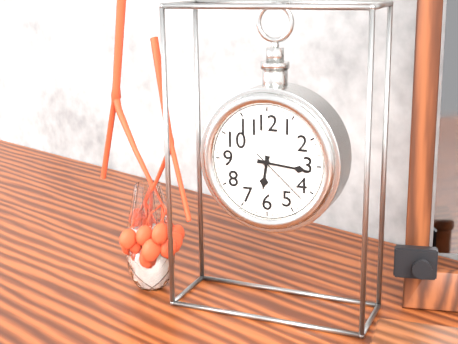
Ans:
6h16m22s
